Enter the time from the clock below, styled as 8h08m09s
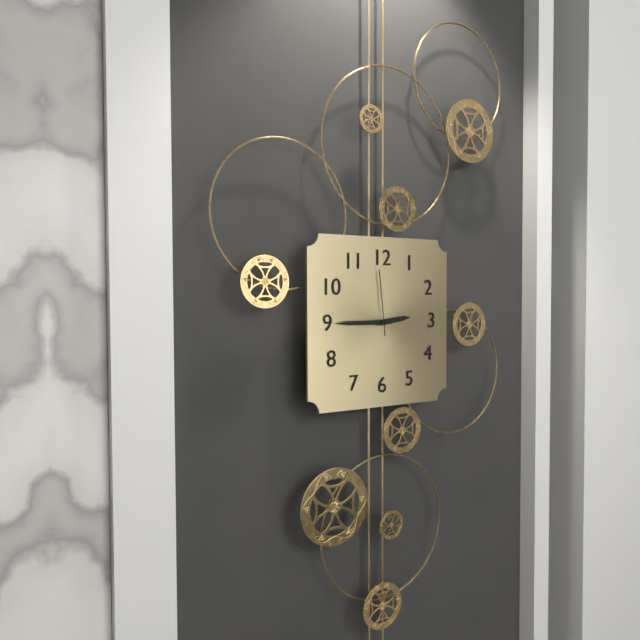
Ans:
2h45m59s
